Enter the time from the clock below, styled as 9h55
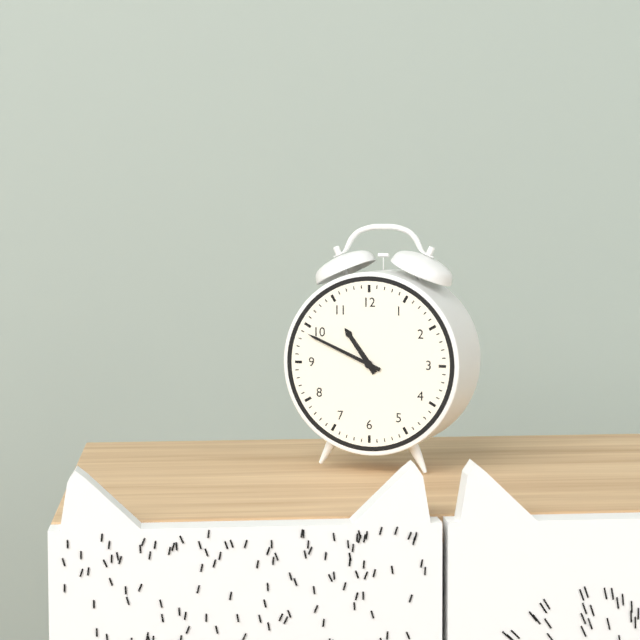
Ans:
10h49
